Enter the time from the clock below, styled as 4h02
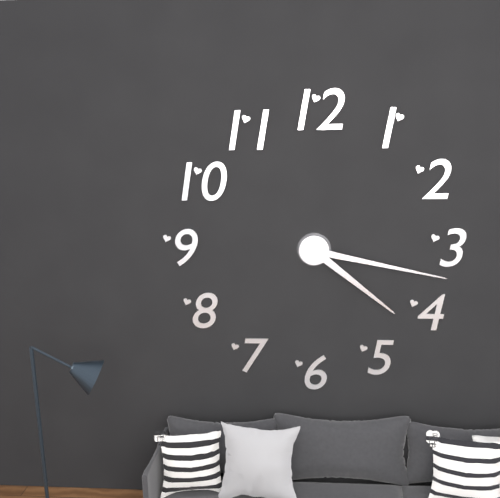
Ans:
4h17
